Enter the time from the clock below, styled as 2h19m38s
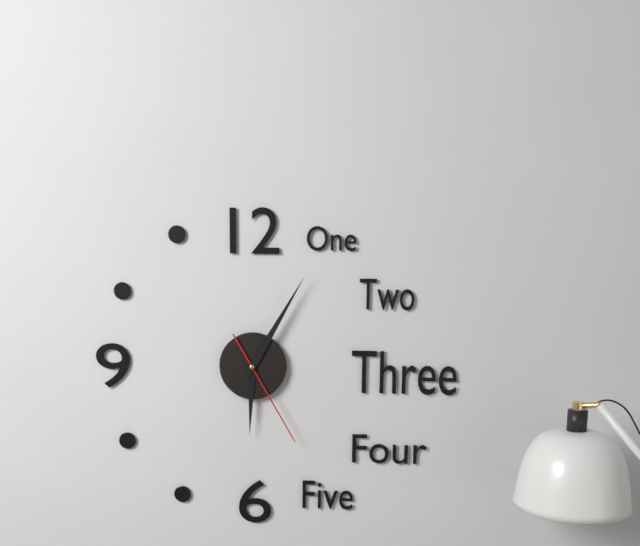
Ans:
6h05m25s
